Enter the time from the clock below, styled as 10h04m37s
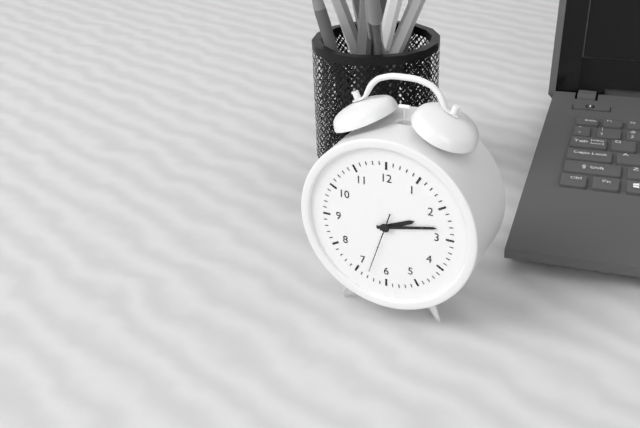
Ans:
2h13m33s
